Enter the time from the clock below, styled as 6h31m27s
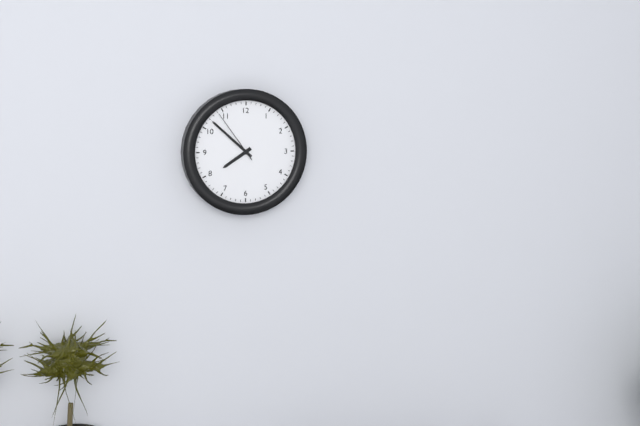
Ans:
7h52m54s
